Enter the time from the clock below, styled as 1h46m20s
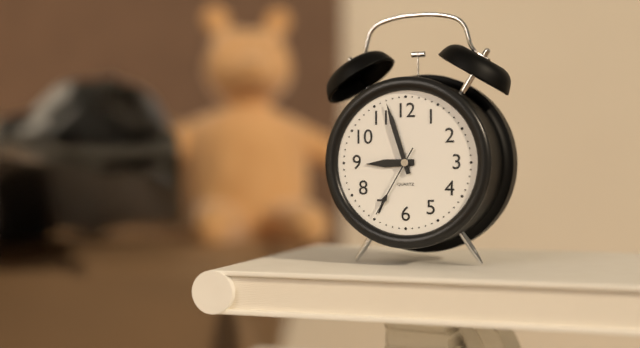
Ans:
8h57m35s
